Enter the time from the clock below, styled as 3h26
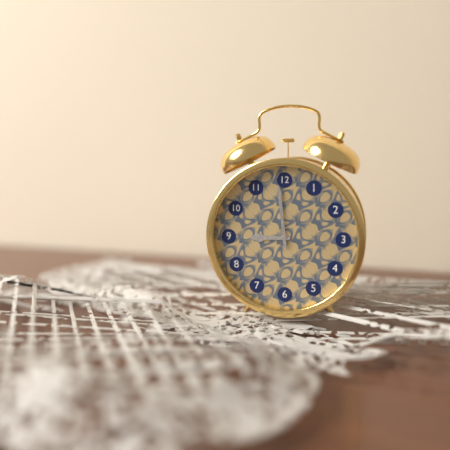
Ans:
8h59
